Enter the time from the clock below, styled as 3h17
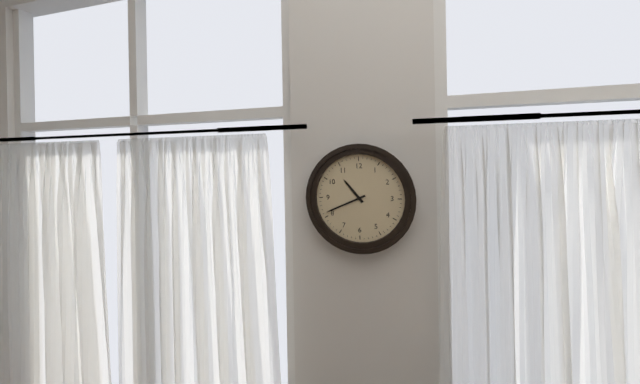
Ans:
10h41
